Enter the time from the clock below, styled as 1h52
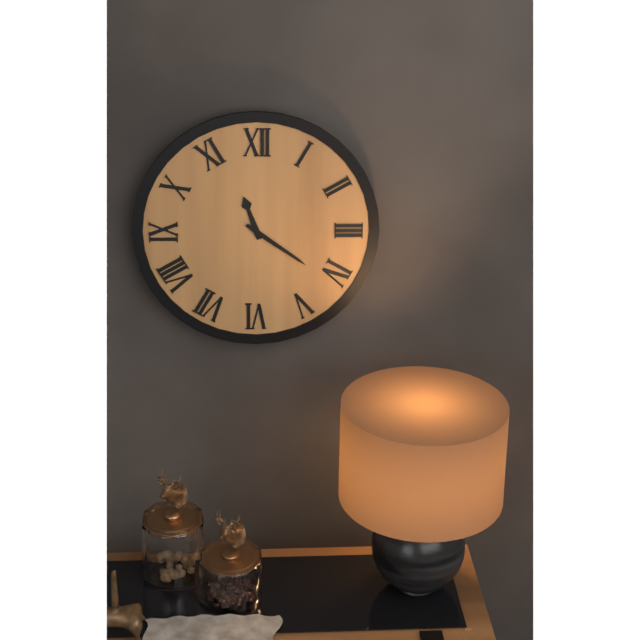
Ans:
11h21
